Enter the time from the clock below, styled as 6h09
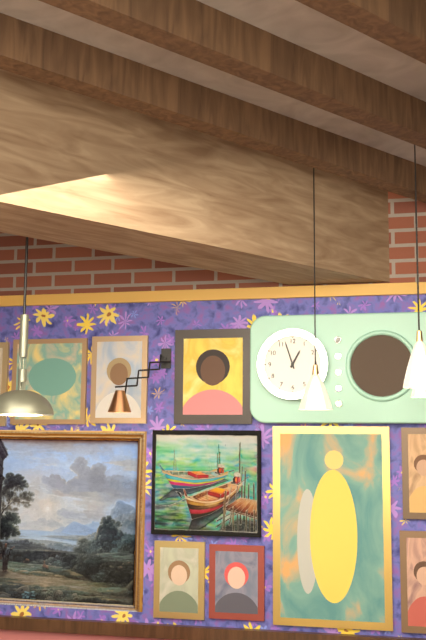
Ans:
12h57
